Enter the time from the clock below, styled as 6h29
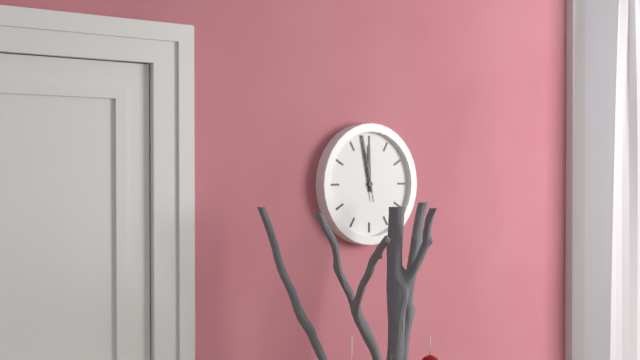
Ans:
11h58
